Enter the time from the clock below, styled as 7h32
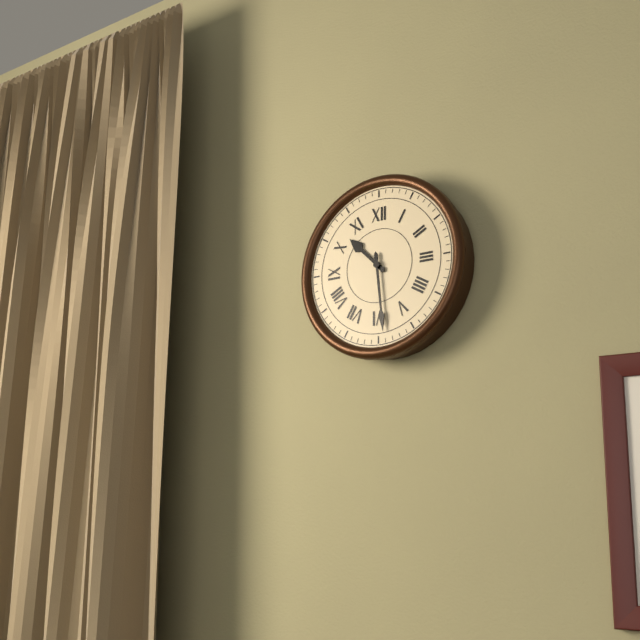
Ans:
10h29
